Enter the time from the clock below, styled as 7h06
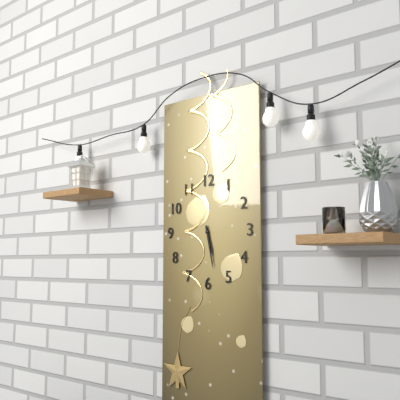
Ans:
5h28
